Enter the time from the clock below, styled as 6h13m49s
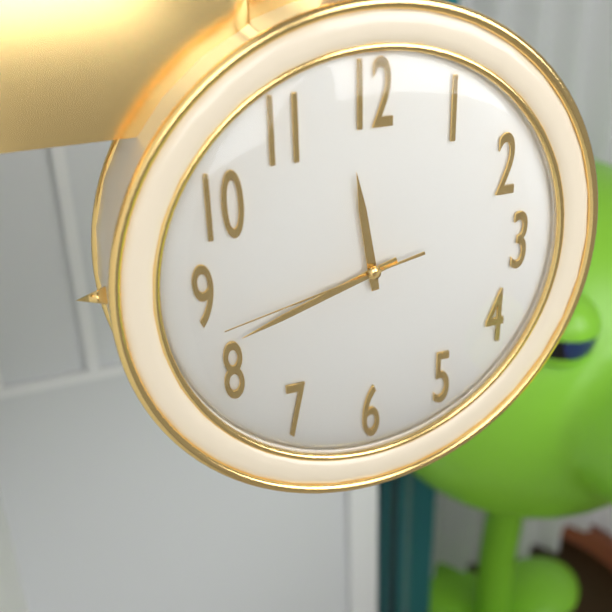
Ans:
11h42m43s
